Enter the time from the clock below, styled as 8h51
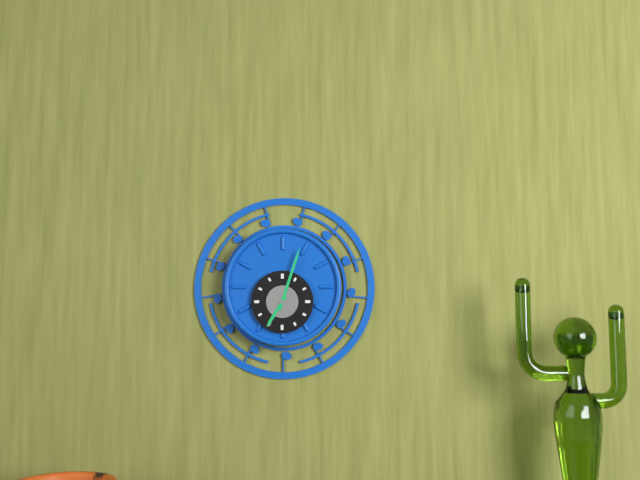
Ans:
7h03
